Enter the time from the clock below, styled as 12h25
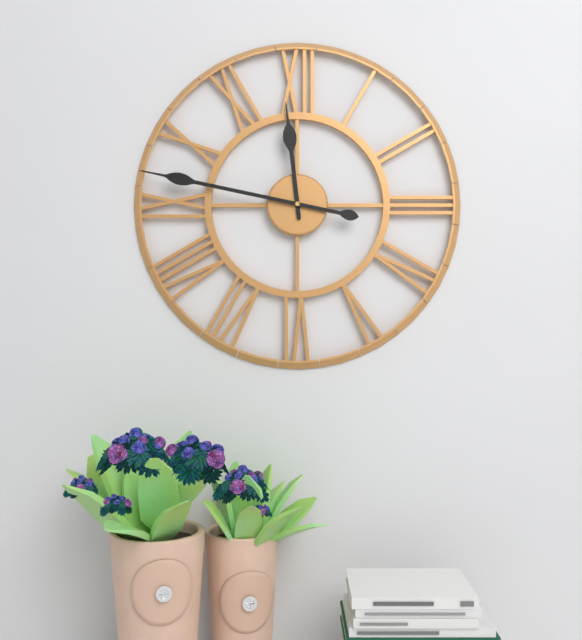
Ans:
11h47
